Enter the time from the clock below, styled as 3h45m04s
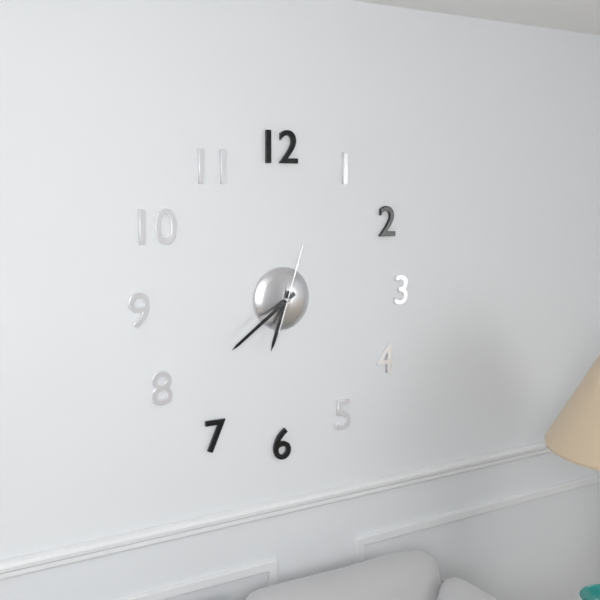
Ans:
6h39m03s
